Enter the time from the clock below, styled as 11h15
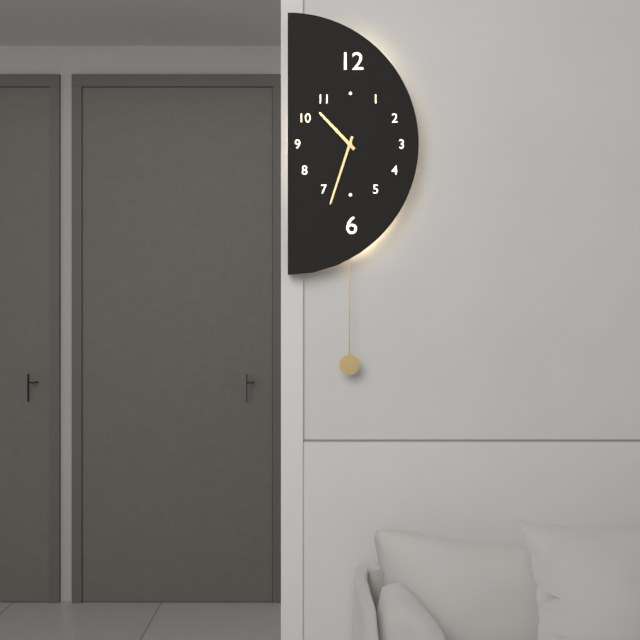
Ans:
10h33
